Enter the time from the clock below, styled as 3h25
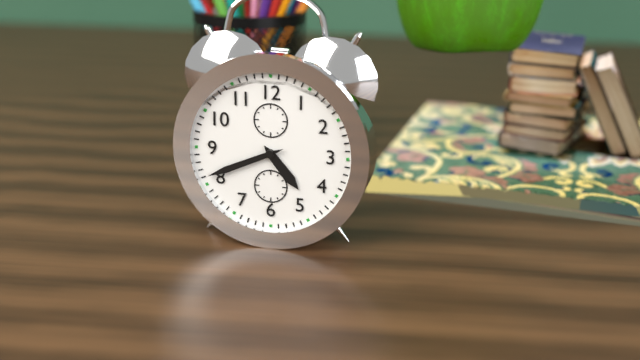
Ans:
4h41
